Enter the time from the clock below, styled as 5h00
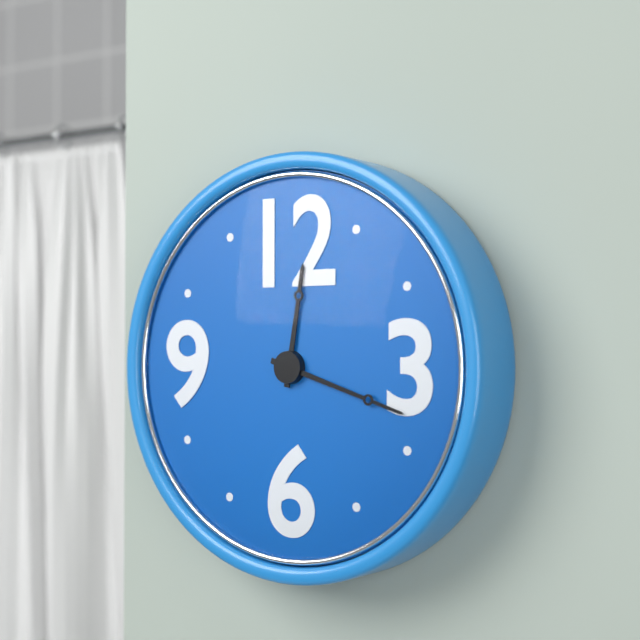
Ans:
12h18
